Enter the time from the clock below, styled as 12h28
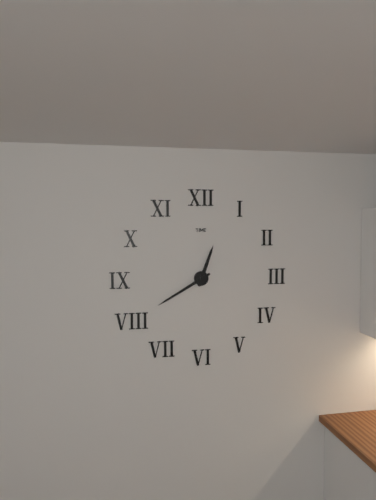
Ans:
12h40
